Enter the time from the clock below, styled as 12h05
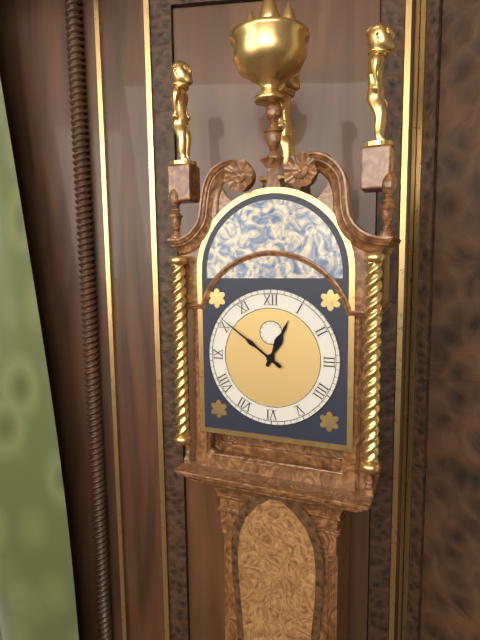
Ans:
12h51
